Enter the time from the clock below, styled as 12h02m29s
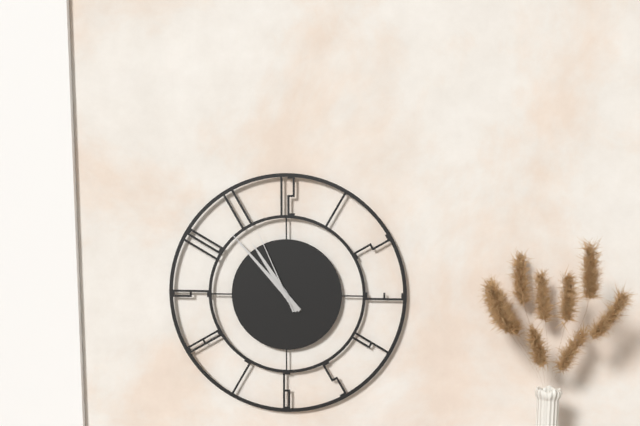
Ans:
10h53m56s
